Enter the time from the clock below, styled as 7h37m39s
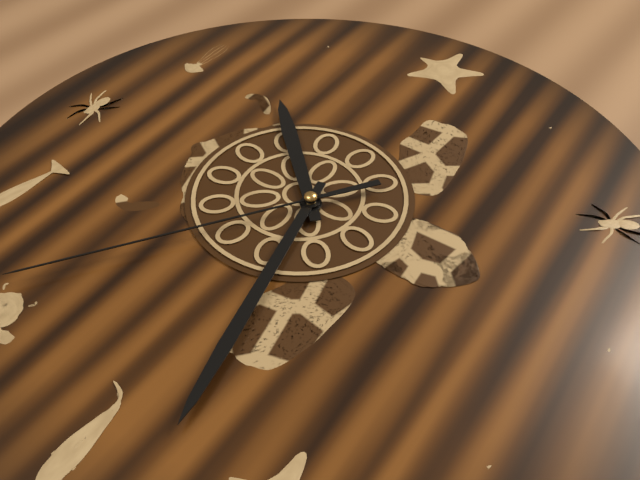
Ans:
10h28m36s
